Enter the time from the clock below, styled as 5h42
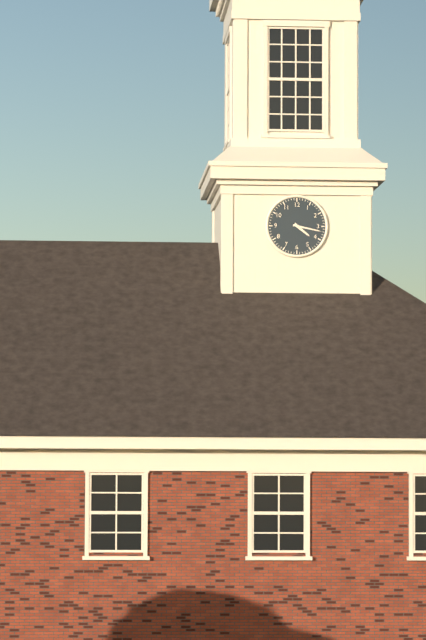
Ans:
4h17
